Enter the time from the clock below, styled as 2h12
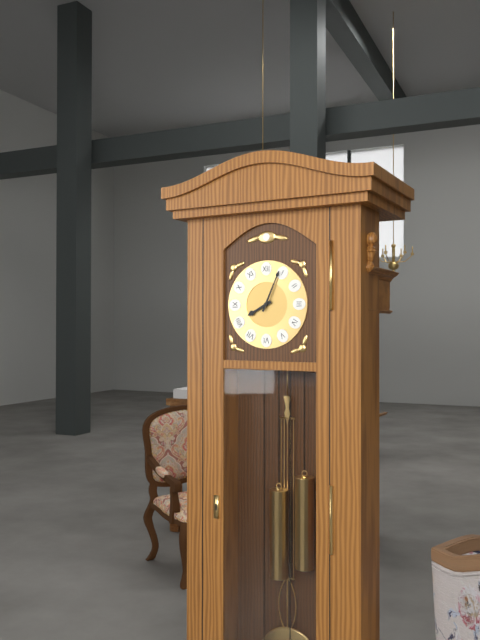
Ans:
8h04
